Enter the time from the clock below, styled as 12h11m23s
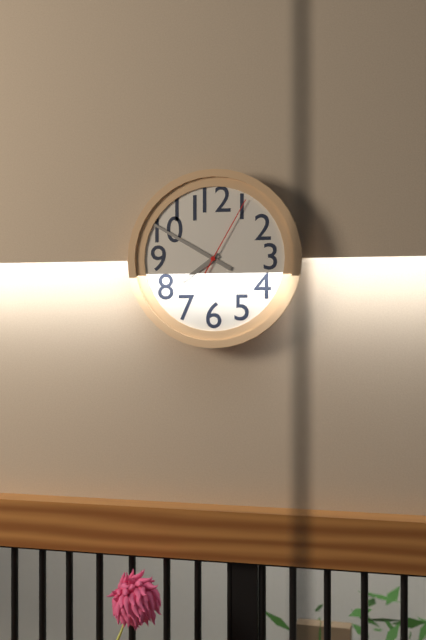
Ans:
7h50m05s
